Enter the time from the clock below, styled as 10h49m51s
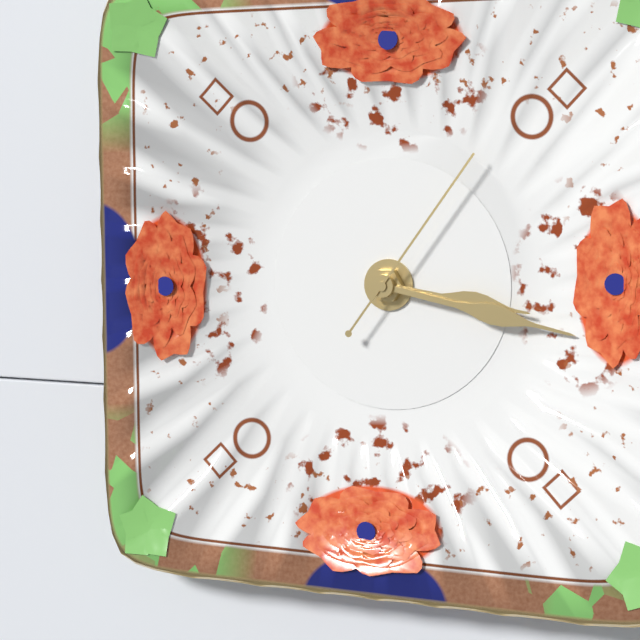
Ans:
3h17m06s
